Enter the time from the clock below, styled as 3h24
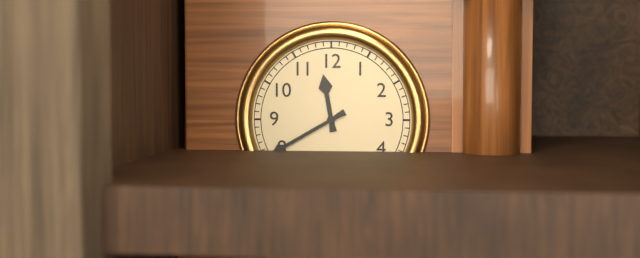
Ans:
11h40
